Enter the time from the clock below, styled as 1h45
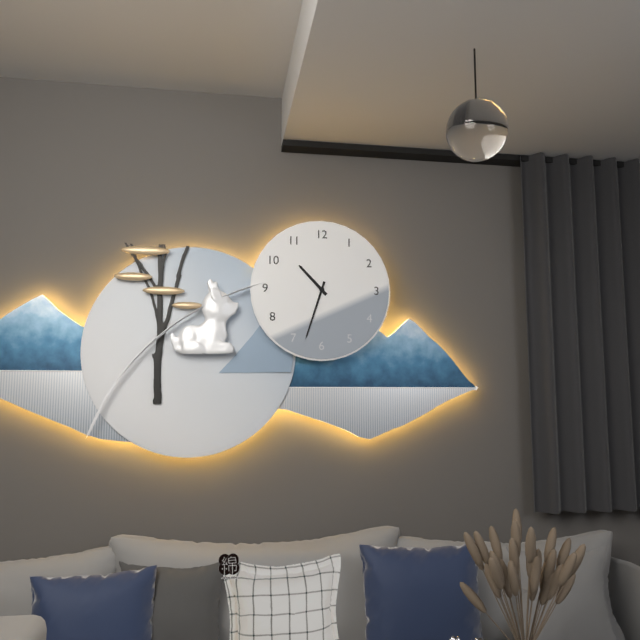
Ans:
10h33
